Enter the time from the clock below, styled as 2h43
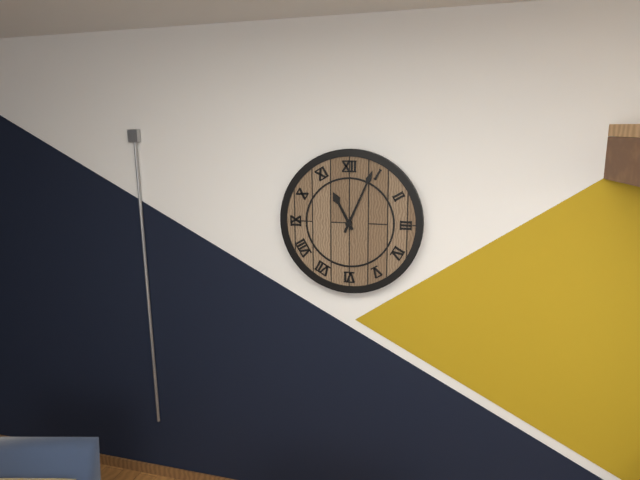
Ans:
11h04
